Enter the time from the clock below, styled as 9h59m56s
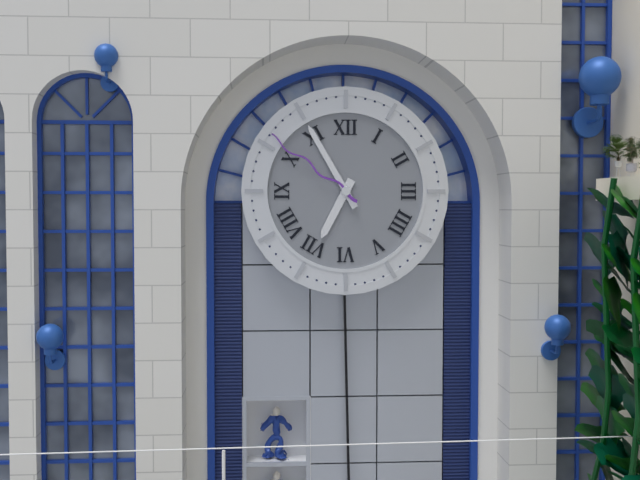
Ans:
6h55m51s
